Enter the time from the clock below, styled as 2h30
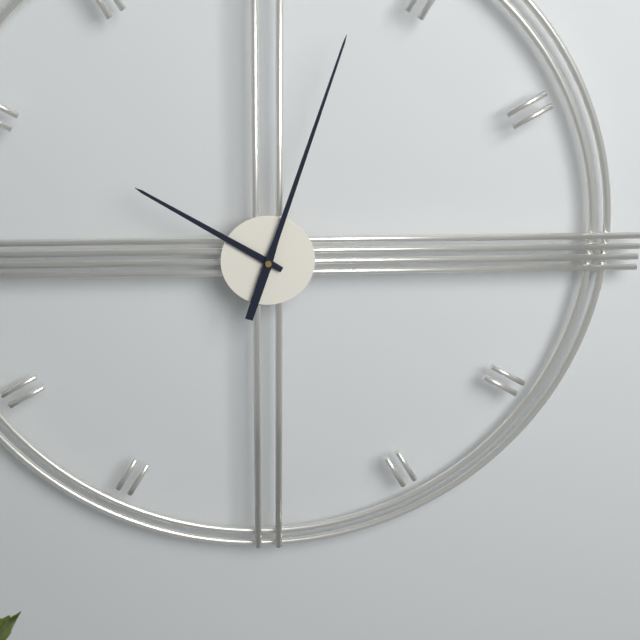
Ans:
10h03
